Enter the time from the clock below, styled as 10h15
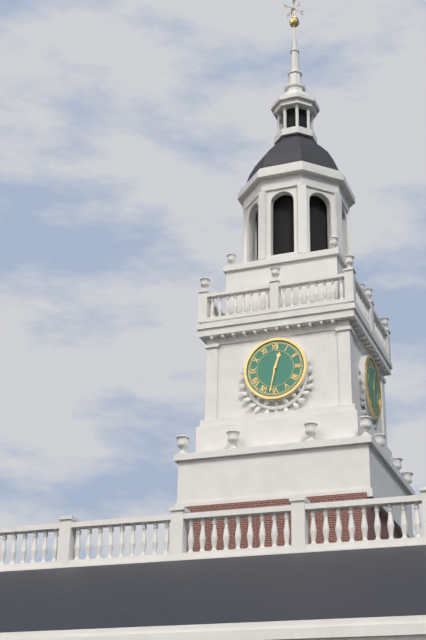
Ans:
12h32
